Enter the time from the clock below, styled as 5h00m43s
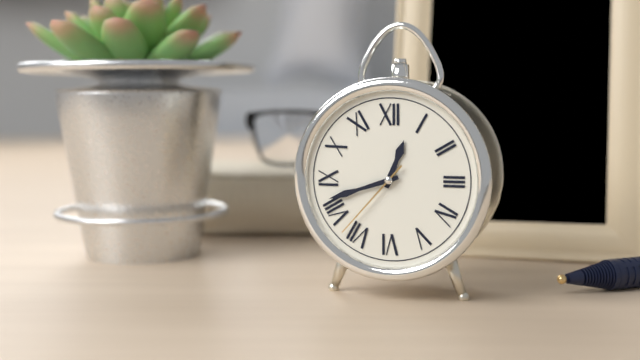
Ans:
12h42m37s
